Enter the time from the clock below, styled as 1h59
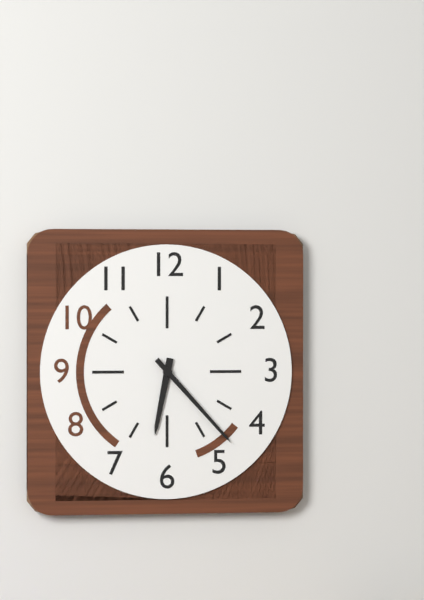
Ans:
6h23
